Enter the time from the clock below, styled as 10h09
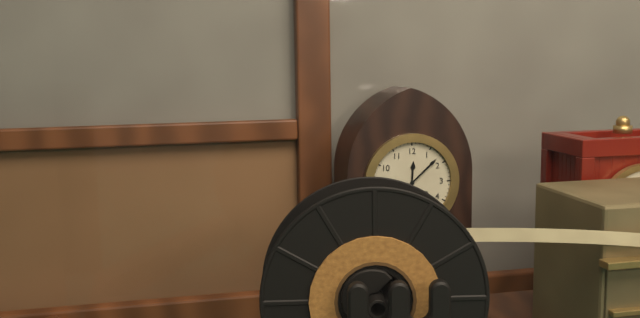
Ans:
12h08
